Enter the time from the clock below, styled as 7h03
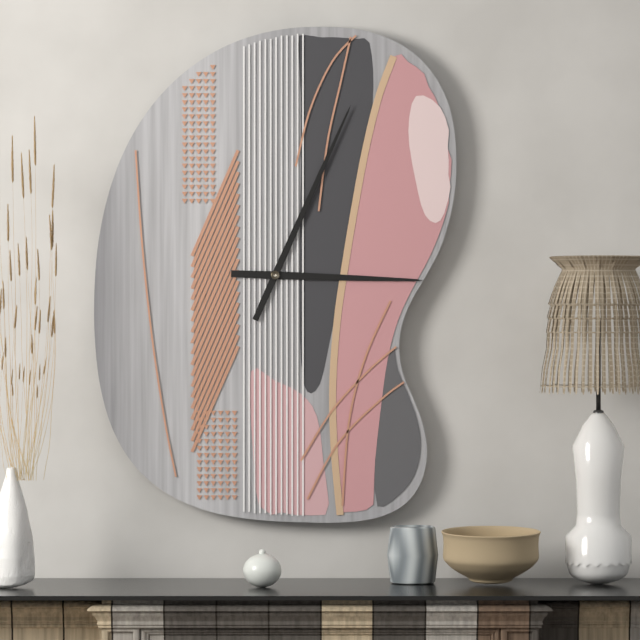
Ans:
3h04
